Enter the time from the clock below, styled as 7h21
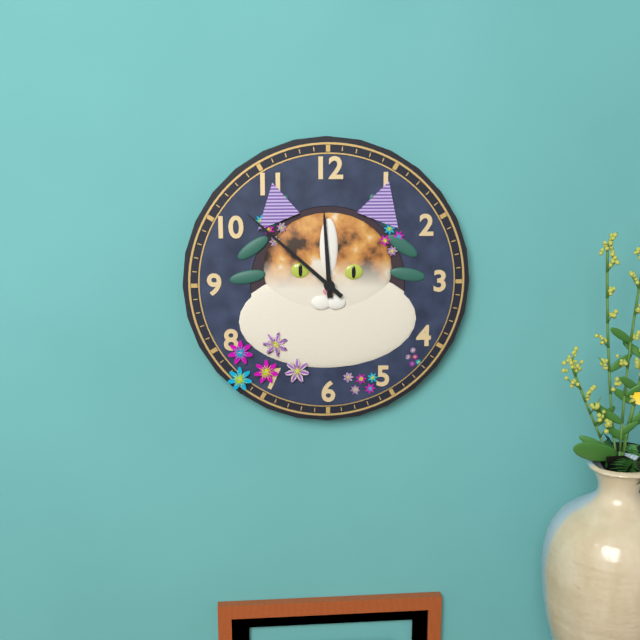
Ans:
11h52
